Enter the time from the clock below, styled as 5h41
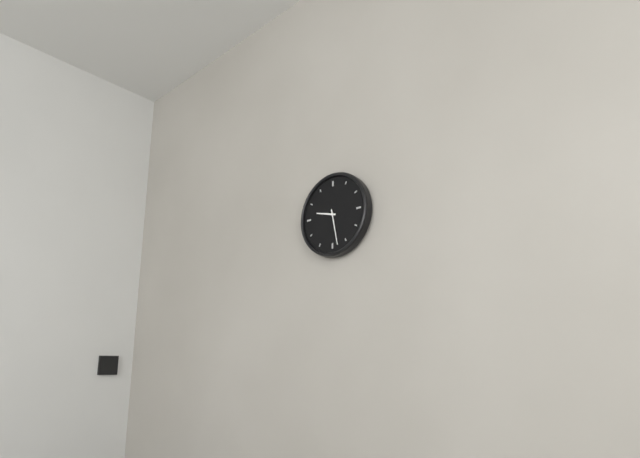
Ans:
9h28
